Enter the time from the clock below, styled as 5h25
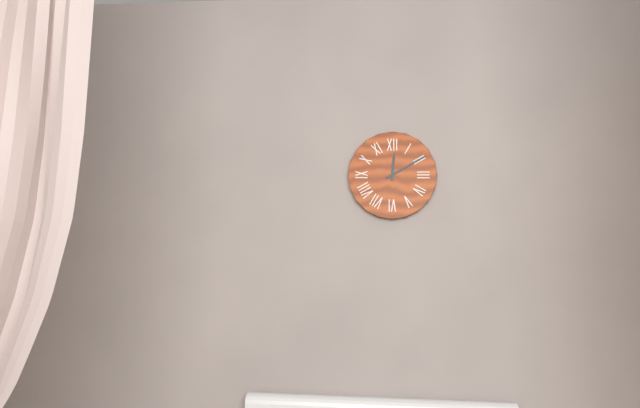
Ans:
12h10
